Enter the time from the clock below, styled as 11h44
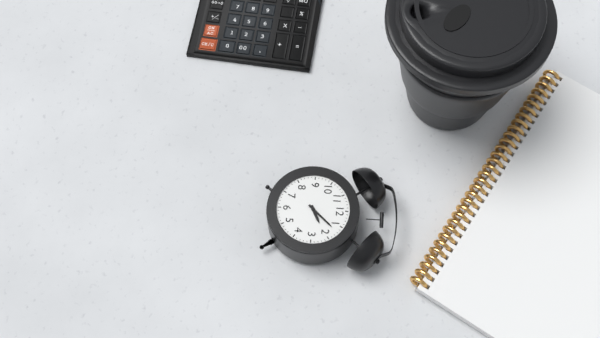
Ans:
2h07
